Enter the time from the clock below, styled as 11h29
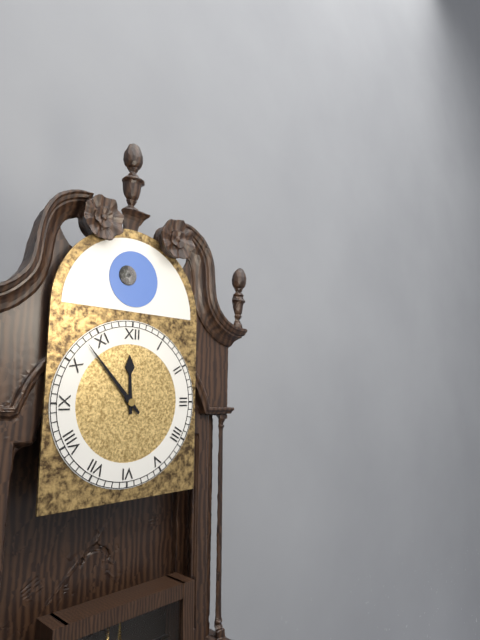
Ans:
11h53
